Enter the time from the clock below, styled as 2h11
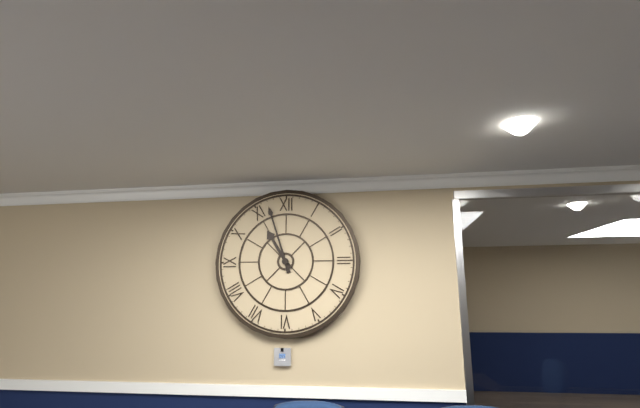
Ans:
10h57
